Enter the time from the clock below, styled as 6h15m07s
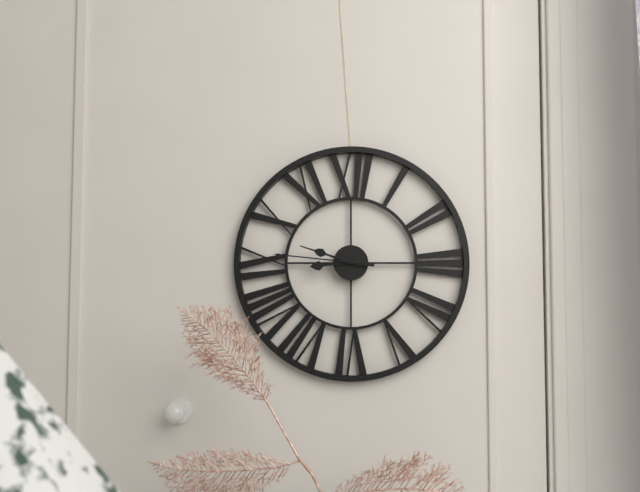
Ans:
8h48m46s
